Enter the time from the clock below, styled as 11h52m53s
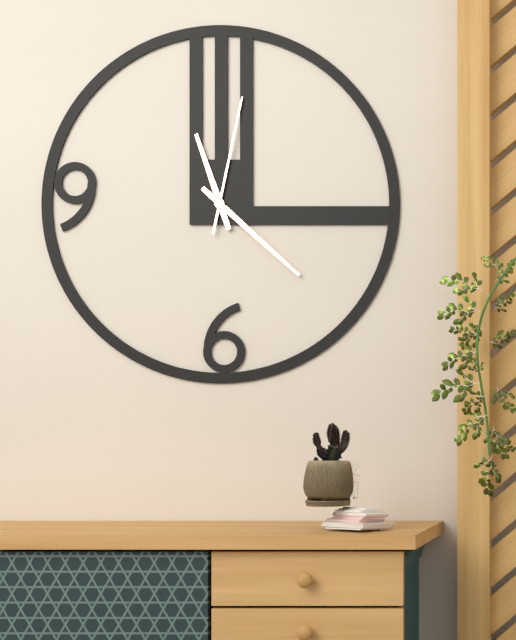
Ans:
11h22m02s
